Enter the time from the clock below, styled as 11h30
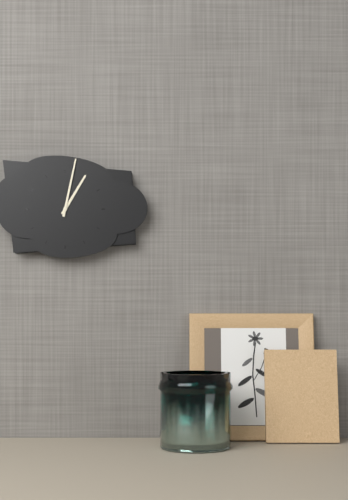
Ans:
1h02
